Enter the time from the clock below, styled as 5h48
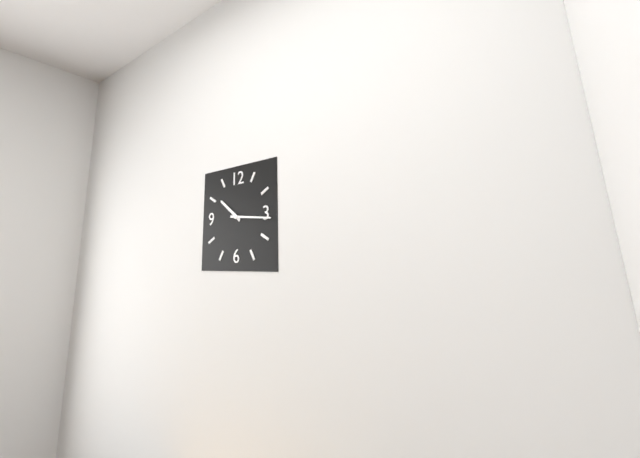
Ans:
10h16
